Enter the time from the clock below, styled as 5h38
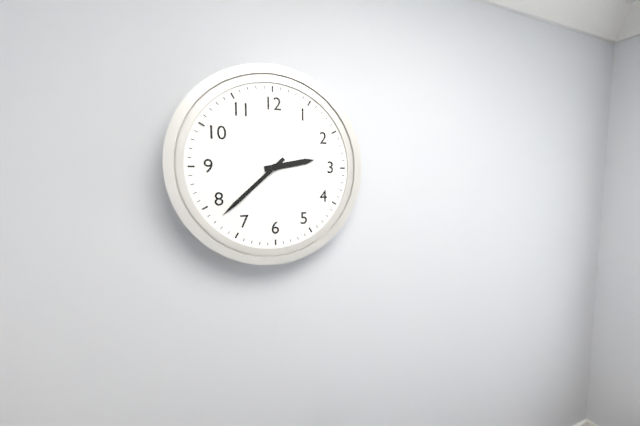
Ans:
2h38
